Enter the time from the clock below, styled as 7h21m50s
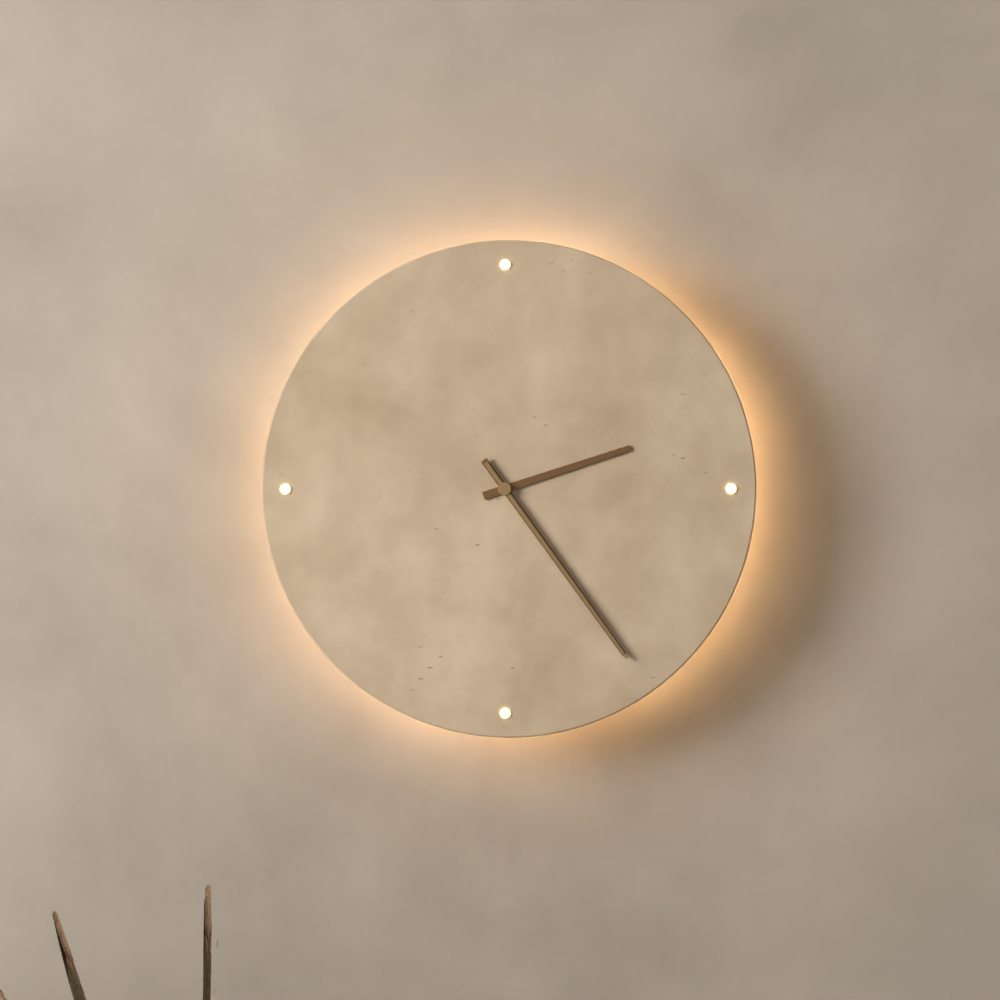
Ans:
2h24m24s
